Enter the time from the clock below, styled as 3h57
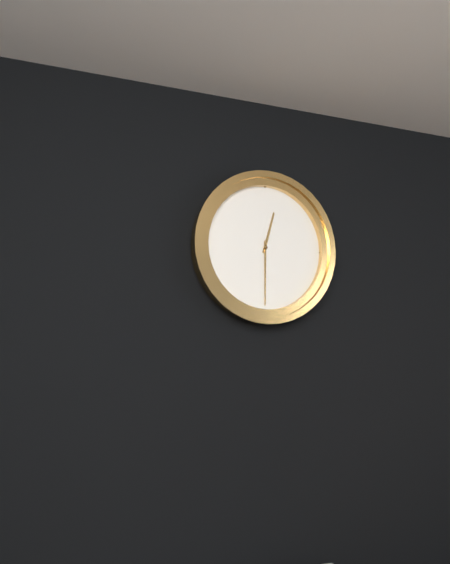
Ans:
12h30
